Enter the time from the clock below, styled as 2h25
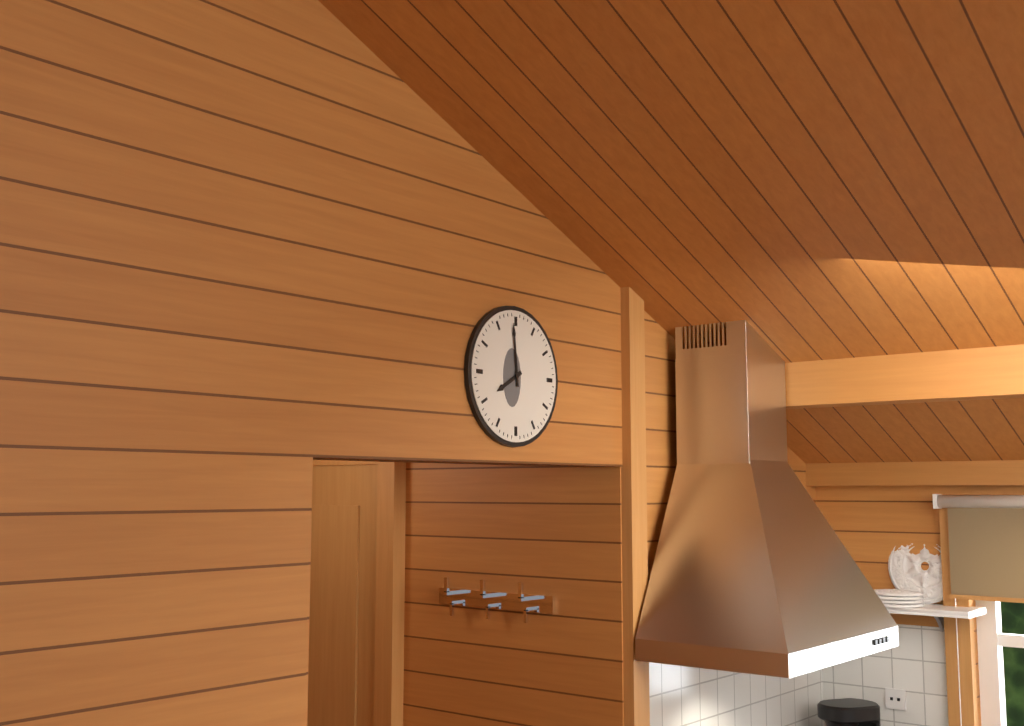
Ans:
7h59
